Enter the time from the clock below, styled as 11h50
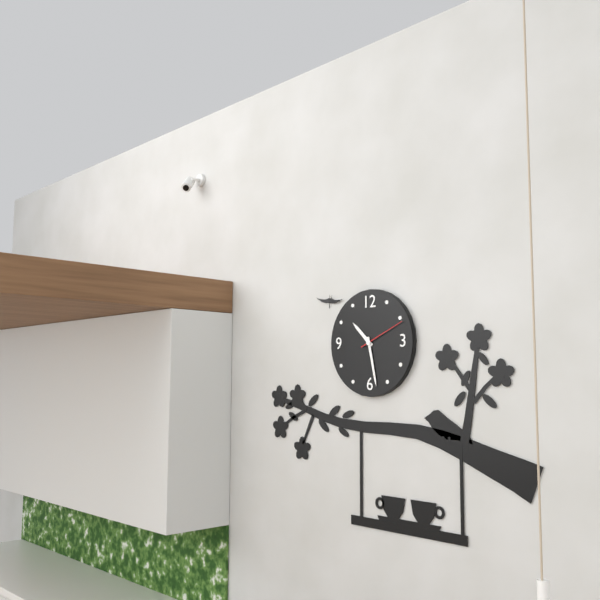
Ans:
10h28
